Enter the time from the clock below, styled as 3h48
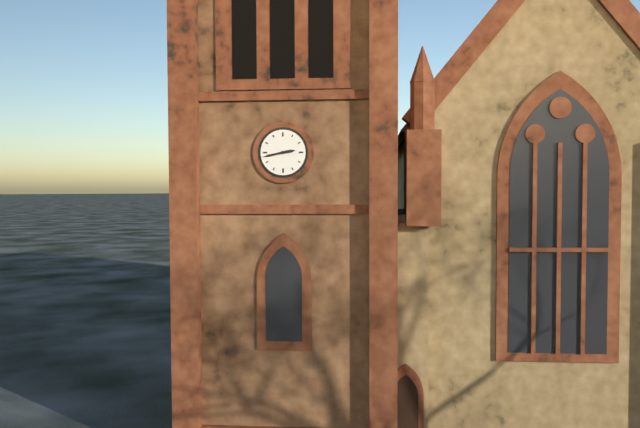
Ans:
2h43
